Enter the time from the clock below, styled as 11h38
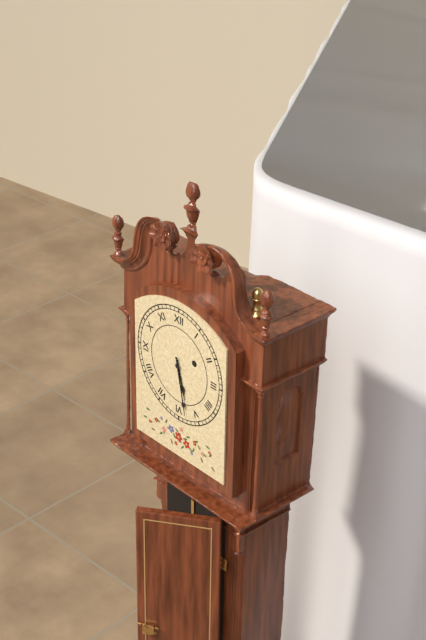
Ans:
5h28
